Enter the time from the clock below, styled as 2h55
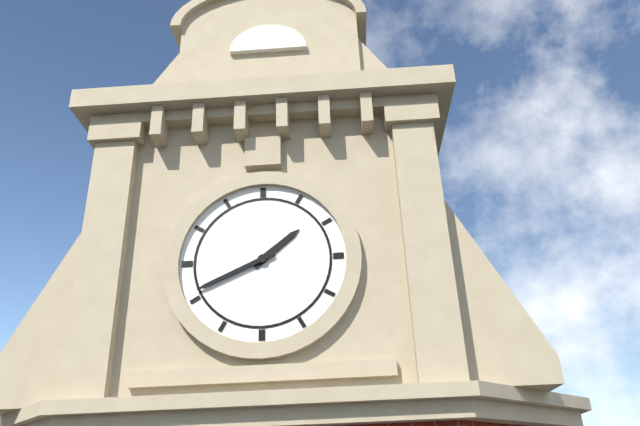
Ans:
1h41
